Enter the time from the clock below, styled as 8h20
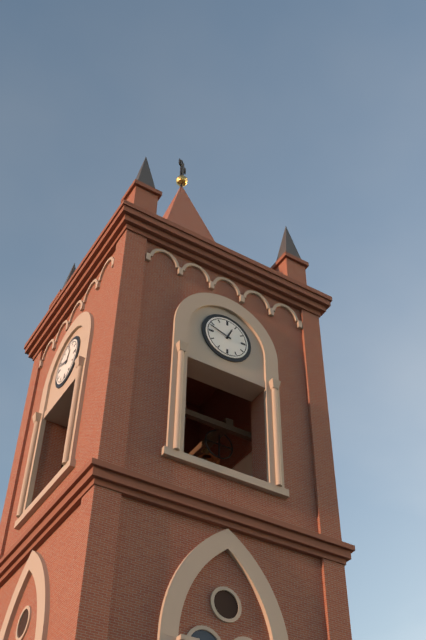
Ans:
12h48
